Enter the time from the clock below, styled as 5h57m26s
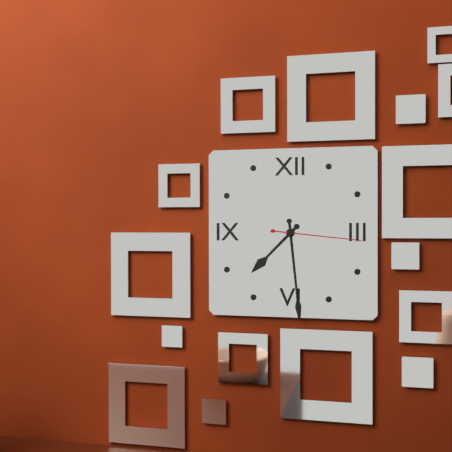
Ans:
7h29m16s
